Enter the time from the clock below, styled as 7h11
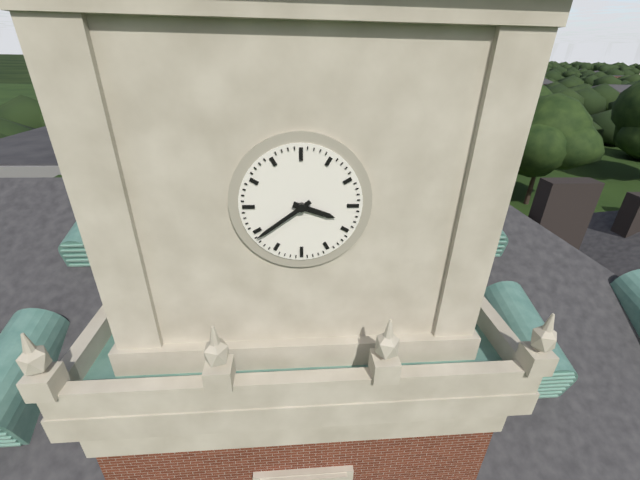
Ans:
3h39
